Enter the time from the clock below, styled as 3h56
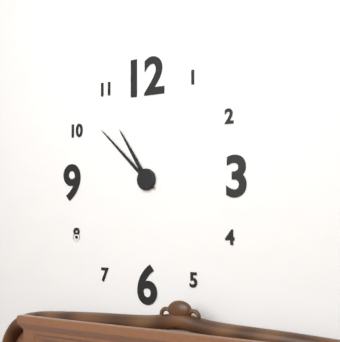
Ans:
10h52
